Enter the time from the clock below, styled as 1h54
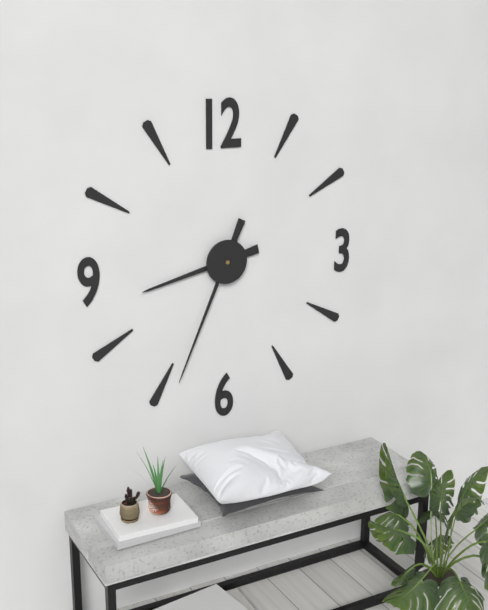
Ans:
8h34
